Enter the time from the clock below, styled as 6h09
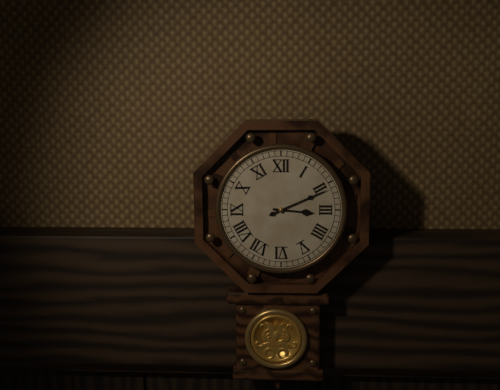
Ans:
3h11
